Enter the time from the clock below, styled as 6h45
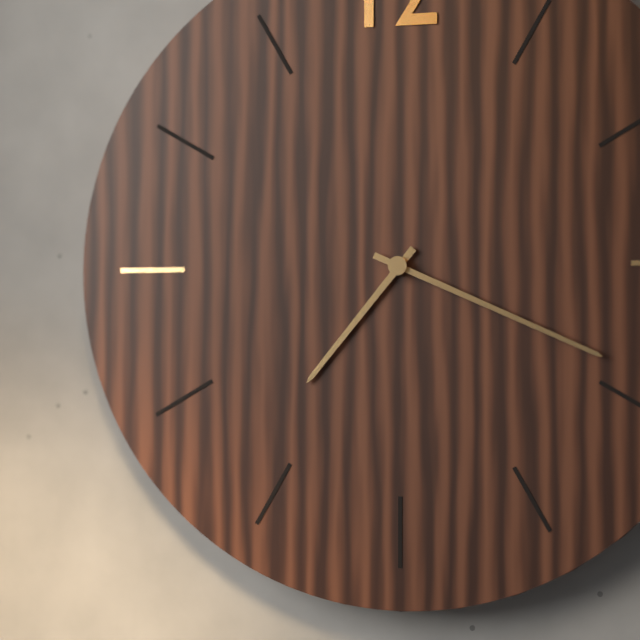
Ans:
7h19
